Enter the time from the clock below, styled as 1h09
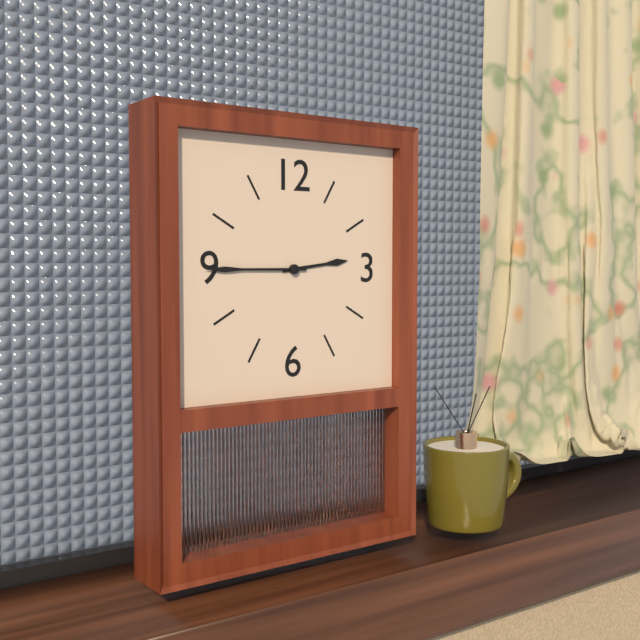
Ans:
2h45
